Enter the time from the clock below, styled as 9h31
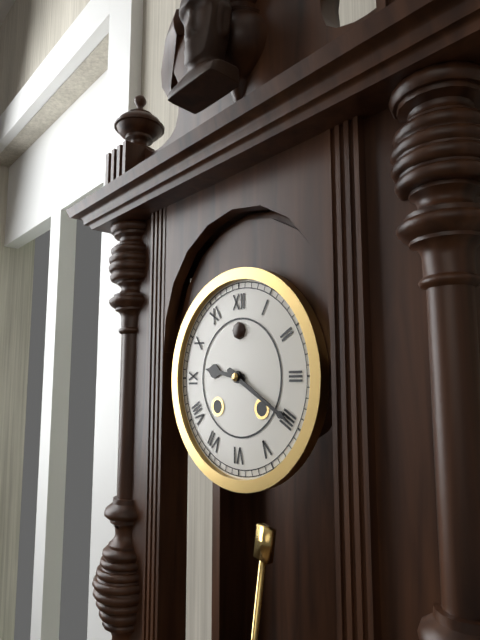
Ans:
9h20
